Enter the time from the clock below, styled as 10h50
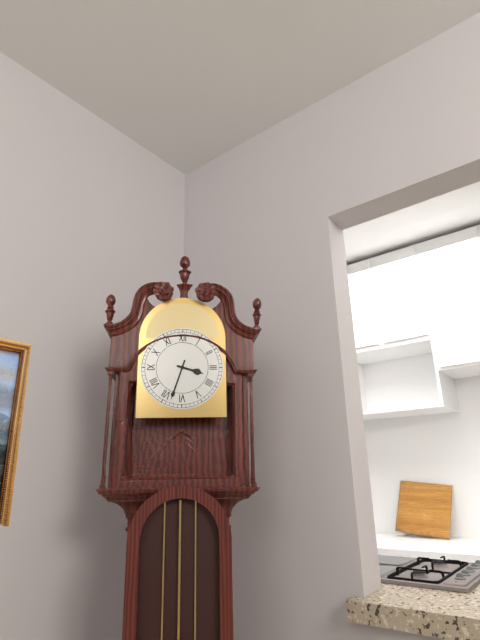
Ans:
3h33
